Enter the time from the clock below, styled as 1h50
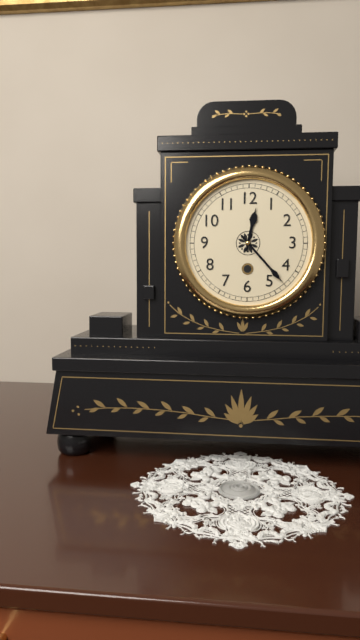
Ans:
12h23
